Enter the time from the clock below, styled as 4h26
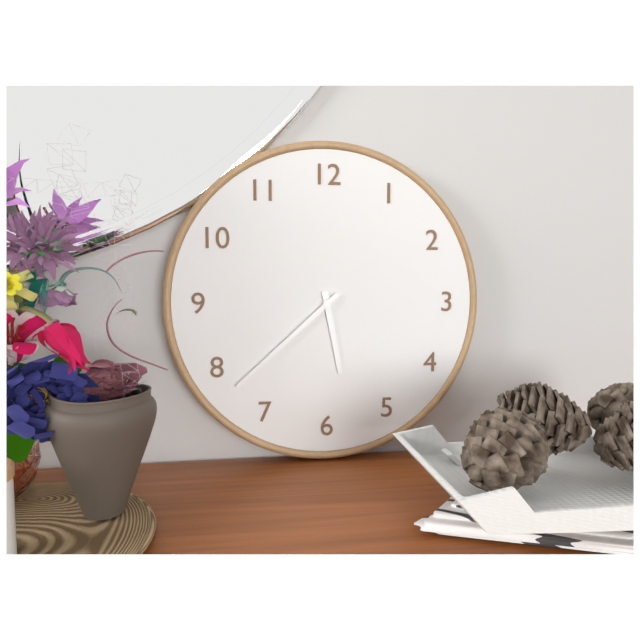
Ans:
5h38
